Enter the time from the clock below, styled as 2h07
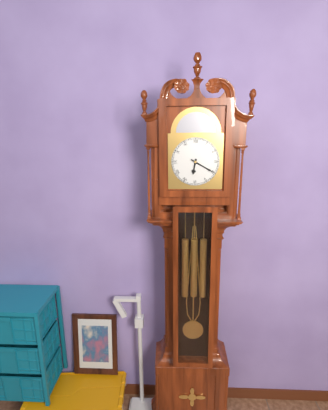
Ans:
6h20
